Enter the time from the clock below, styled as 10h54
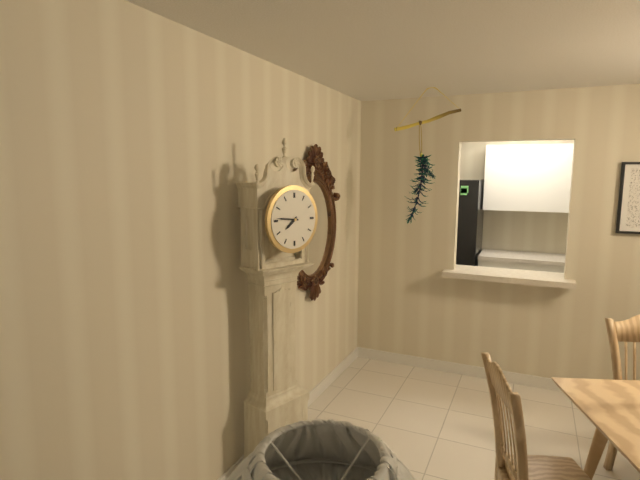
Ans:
7h46
